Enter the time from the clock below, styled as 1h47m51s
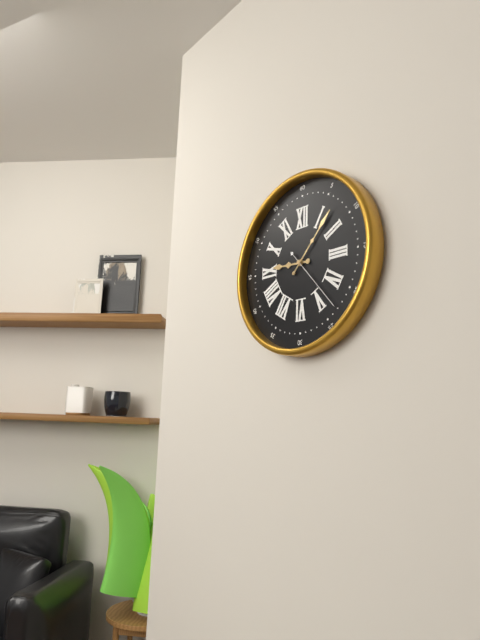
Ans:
9h07m23s
